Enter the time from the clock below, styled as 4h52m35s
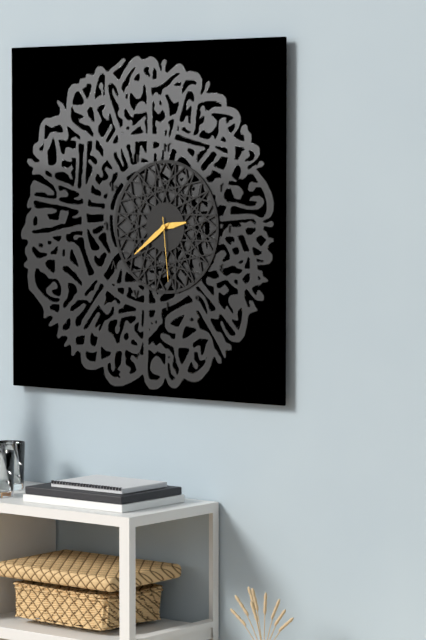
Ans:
2h39m29s
